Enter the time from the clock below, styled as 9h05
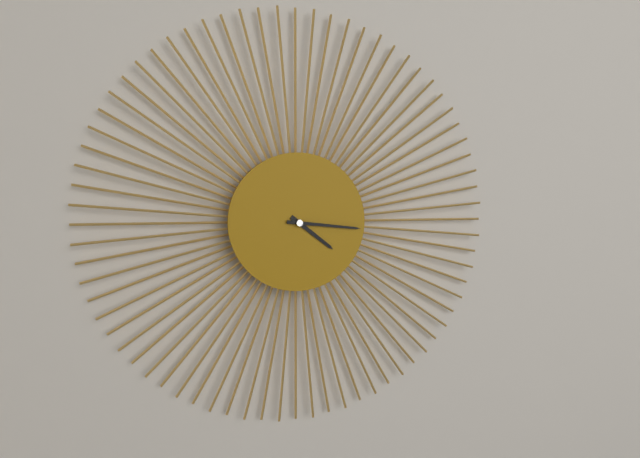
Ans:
4h16
